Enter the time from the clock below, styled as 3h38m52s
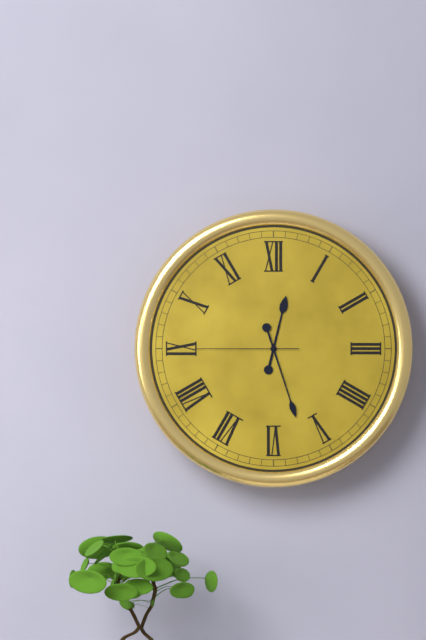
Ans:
12h27m45s
